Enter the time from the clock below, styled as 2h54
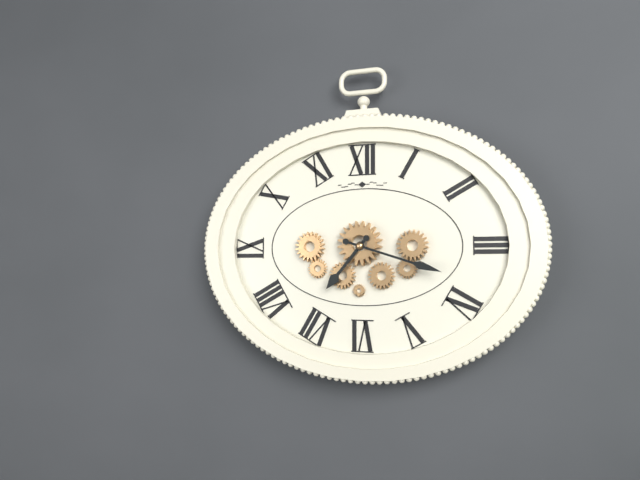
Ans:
7h18
